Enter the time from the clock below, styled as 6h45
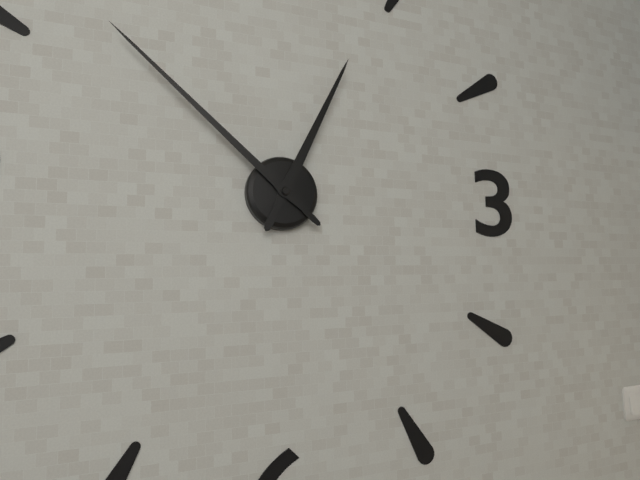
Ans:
12h52
